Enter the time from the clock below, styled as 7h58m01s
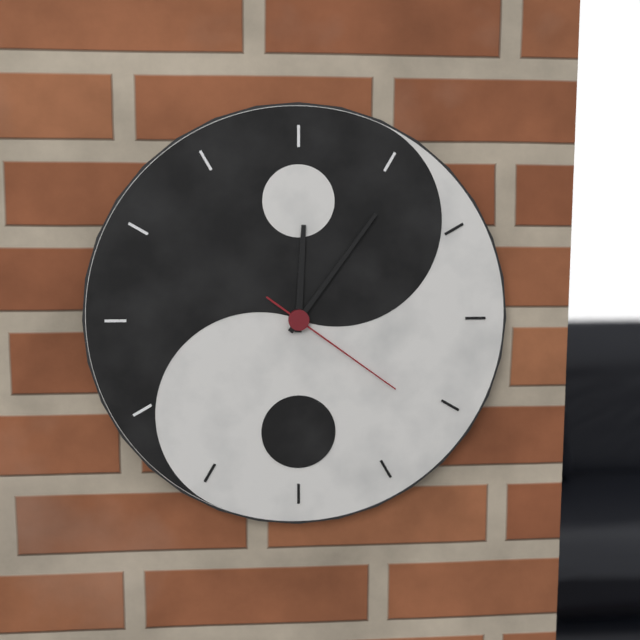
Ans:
12h06m21s
